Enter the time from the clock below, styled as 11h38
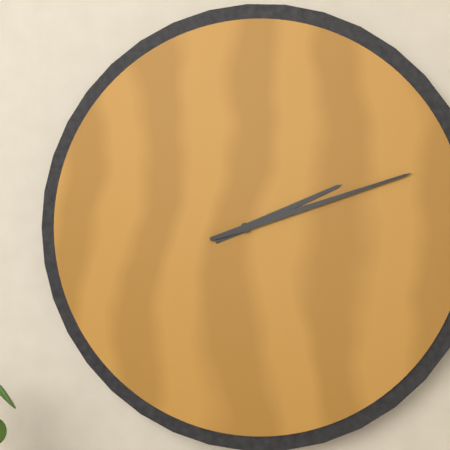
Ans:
2h12
